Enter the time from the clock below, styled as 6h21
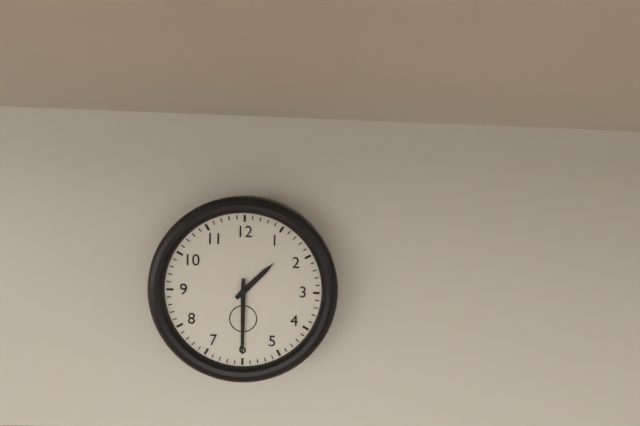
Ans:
1h30
